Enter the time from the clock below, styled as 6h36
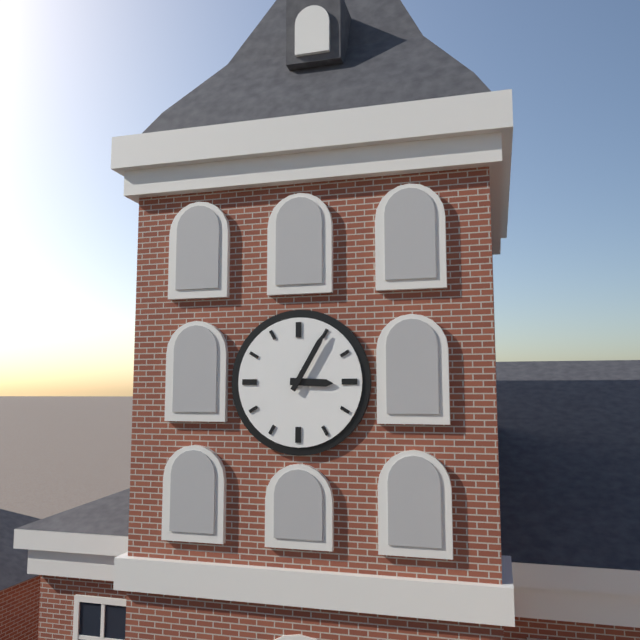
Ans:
3h05
